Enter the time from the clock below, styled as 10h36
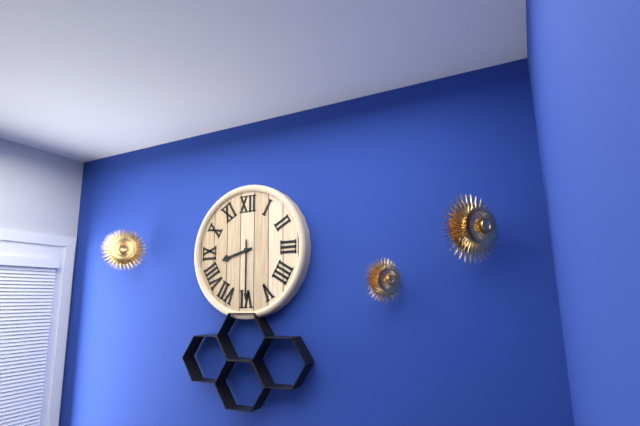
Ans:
8h30
